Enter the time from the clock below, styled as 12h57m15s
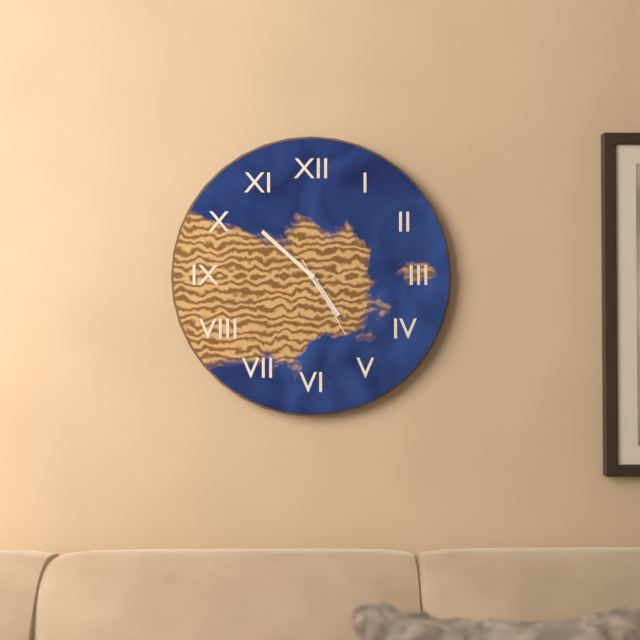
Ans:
4h52m25s
